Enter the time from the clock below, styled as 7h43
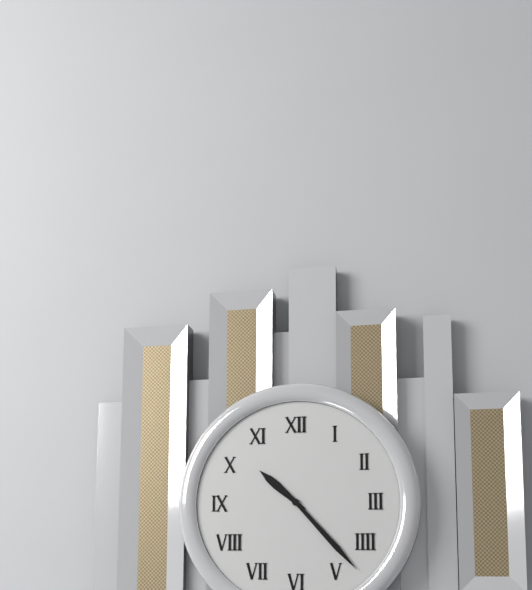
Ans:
10h23
